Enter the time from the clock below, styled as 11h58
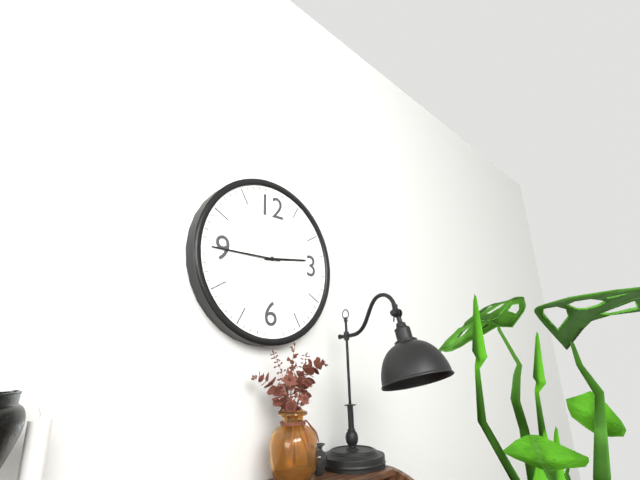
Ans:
2h45
